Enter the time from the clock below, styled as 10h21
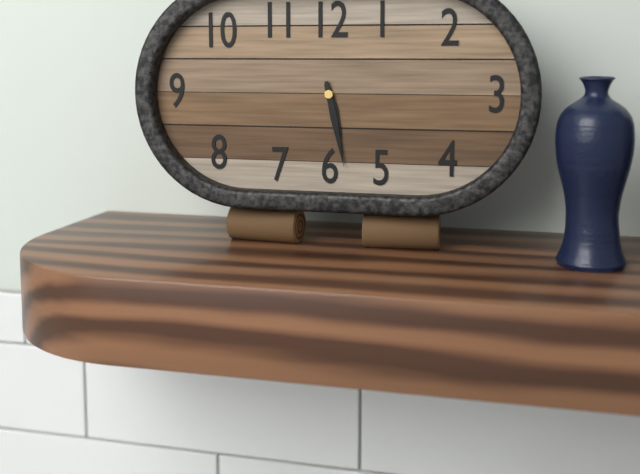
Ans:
5h28
